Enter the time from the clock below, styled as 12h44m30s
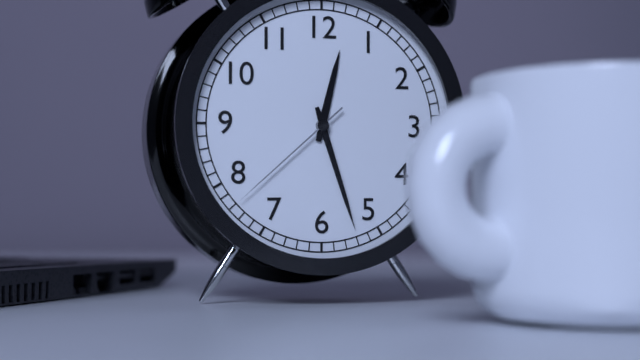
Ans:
12h27m38s
